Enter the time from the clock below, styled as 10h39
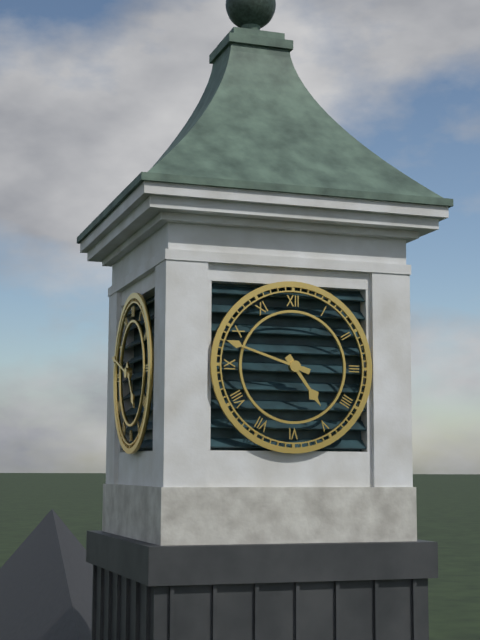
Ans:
4h48
